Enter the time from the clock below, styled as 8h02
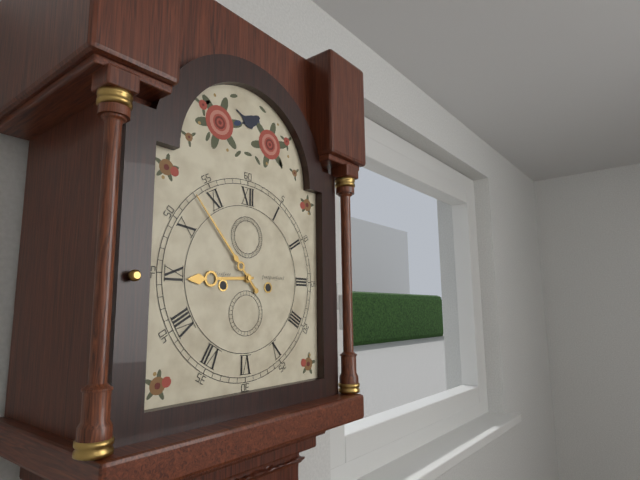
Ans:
8h53
